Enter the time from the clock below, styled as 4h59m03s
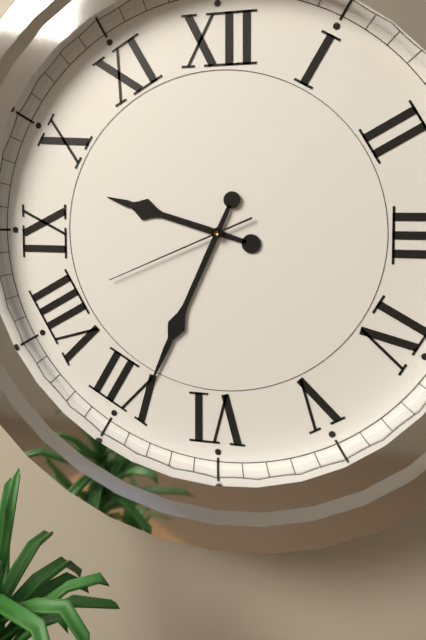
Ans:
9h34m41s
